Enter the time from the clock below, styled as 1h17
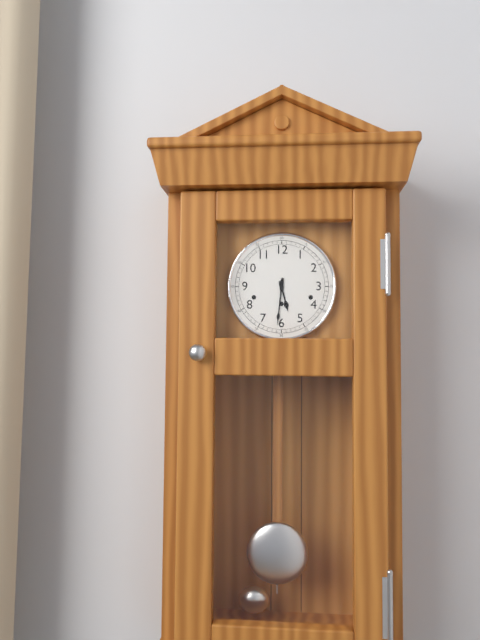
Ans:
5h31
